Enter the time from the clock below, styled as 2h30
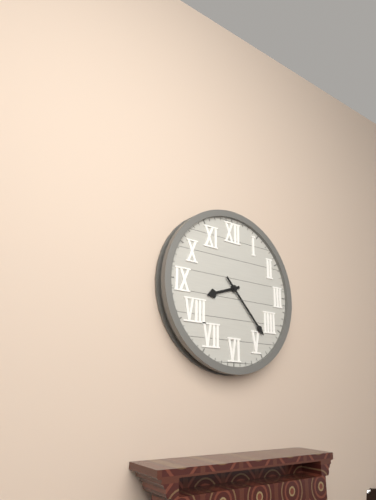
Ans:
8h23
